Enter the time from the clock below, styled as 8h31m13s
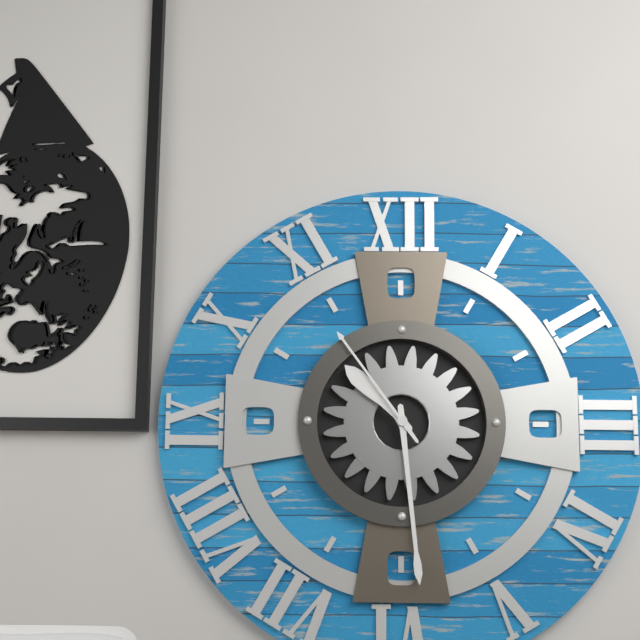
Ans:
10h29m54s
